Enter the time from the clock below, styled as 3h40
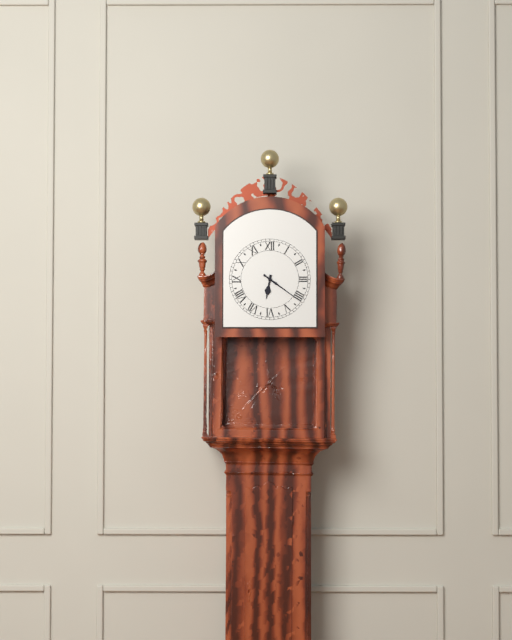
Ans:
6h21
